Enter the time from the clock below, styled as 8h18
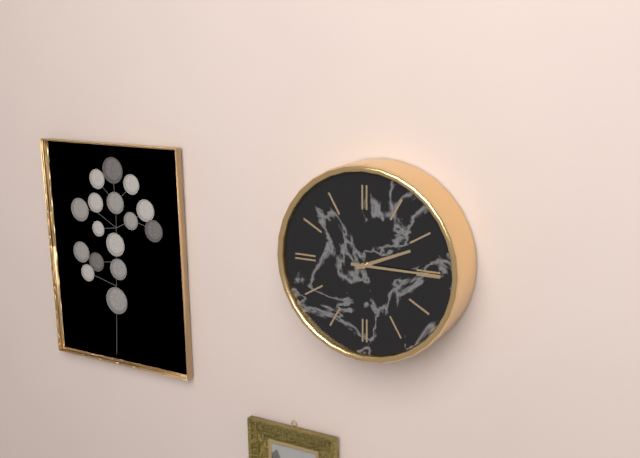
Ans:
2h15
